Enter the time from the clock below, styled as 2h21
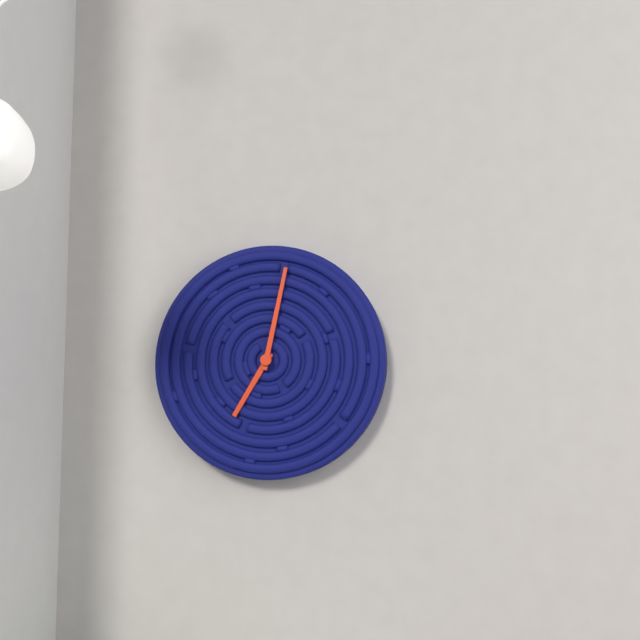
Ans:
7h02
